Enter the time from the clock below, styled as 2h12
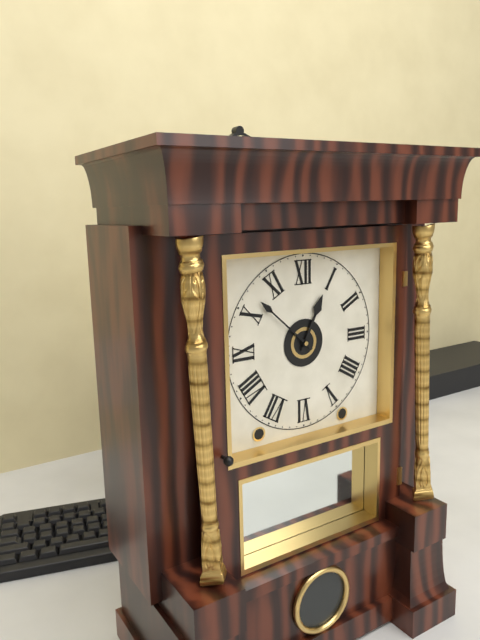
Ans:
12h52
